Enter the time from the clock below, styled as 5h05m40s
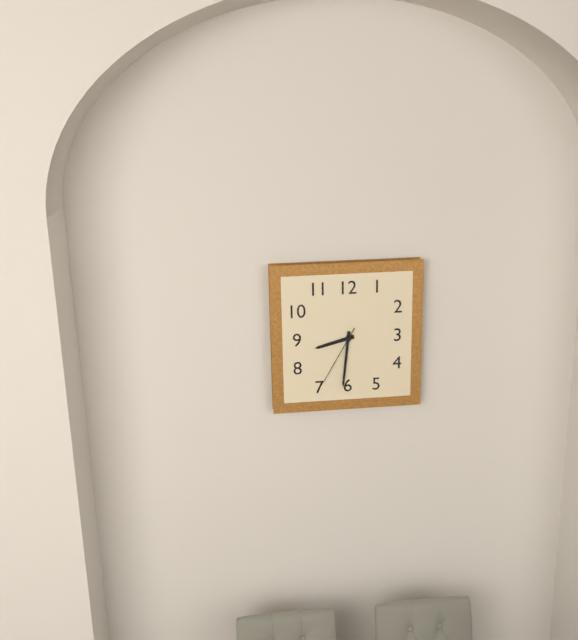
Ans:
8h31m35s
